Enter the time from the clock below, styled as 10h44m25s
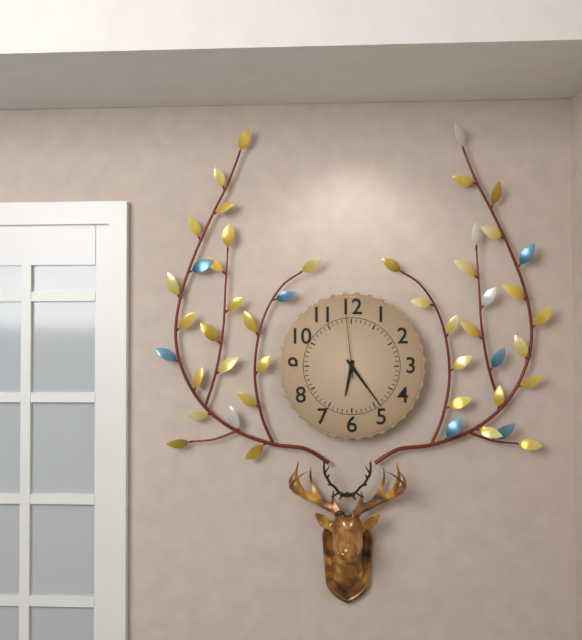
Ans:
6h24m59s
